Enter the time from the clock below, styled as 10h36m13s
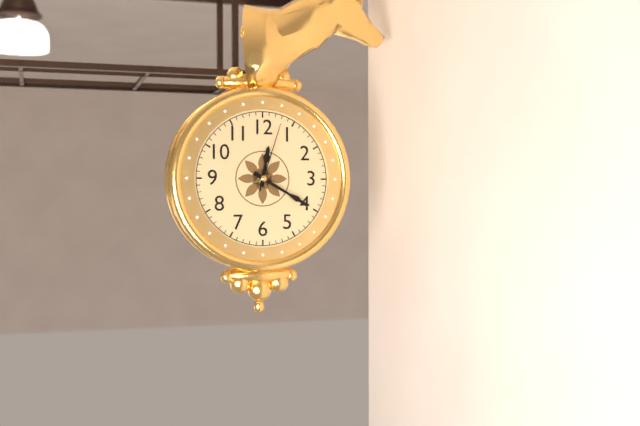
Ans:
12h20m03s
